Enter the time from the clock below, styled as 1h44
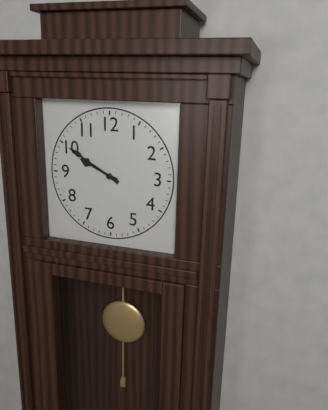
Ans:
9h50
